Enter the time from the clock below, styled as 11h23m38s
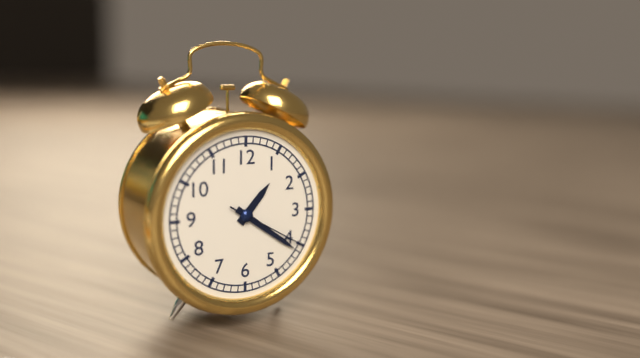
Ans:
1h21m20s
